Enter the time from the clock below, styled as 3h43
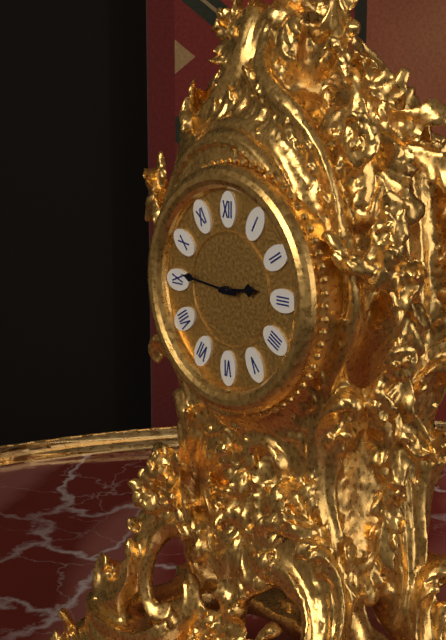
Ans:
2h46
